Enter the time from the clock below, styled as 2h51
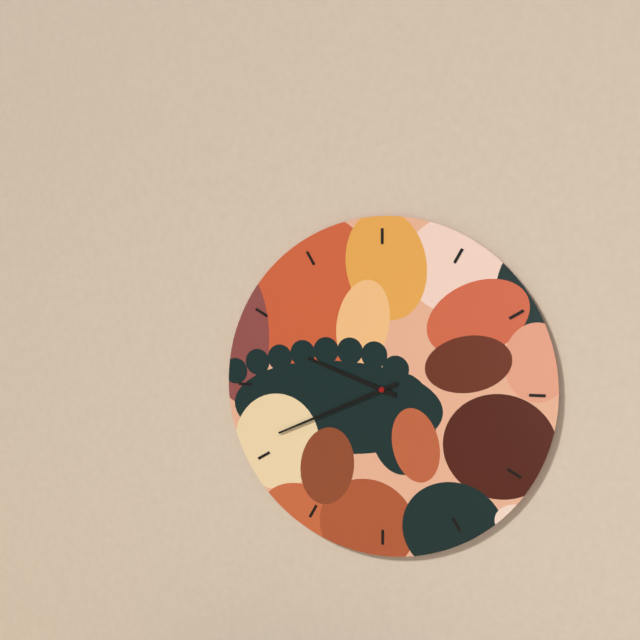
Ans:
9h41
